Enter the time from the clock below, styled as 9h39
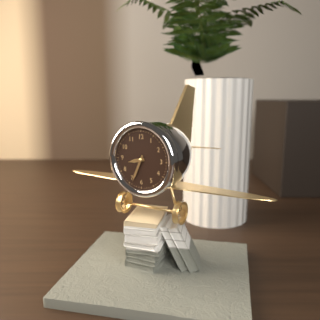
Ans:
8h34
